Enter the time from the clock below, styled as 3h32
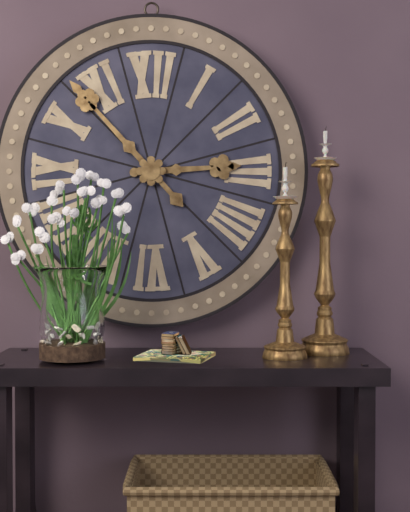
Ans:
2h53
